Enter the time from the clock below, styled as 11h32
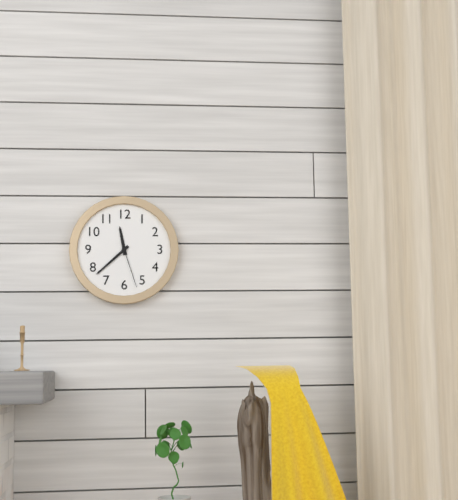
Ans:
11h38
